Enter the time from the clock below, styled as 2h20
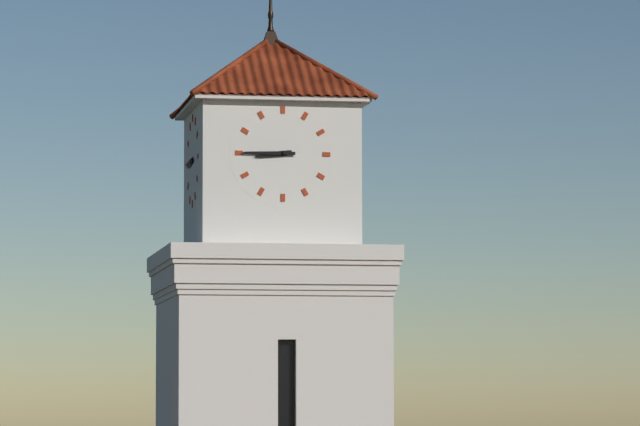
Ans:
8h45
